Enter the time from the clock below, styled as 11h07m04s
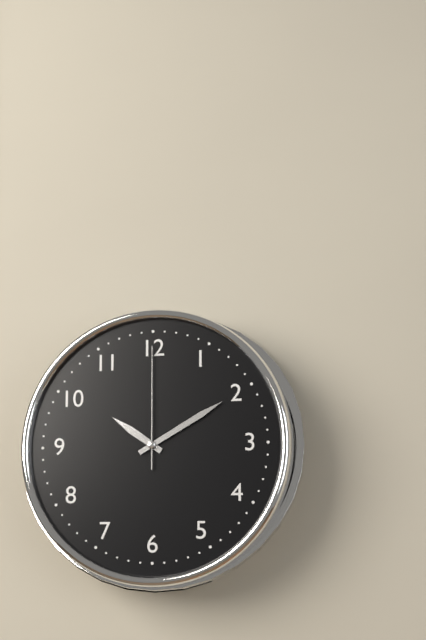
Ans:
10h10m00s
